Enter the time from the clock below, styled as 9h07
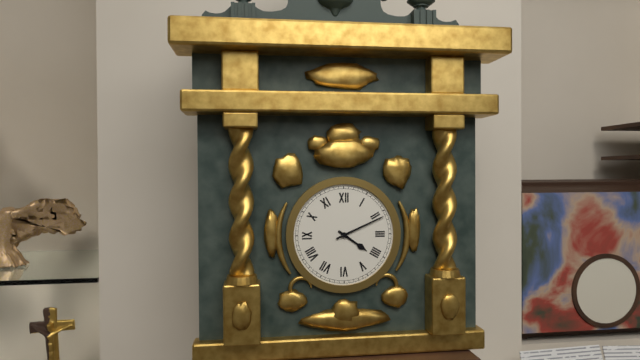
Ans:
4h11
